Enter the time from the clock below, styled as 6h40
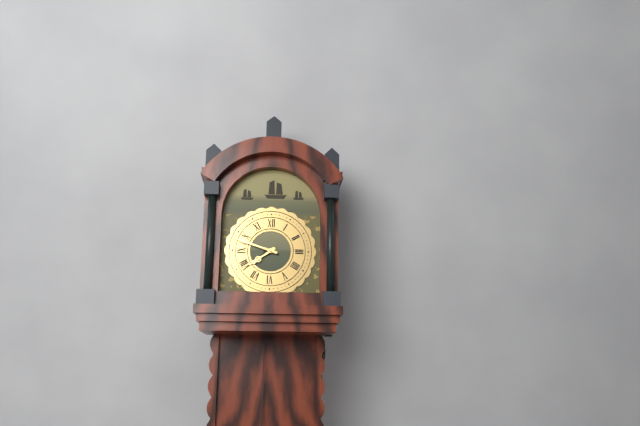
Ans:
7h48
